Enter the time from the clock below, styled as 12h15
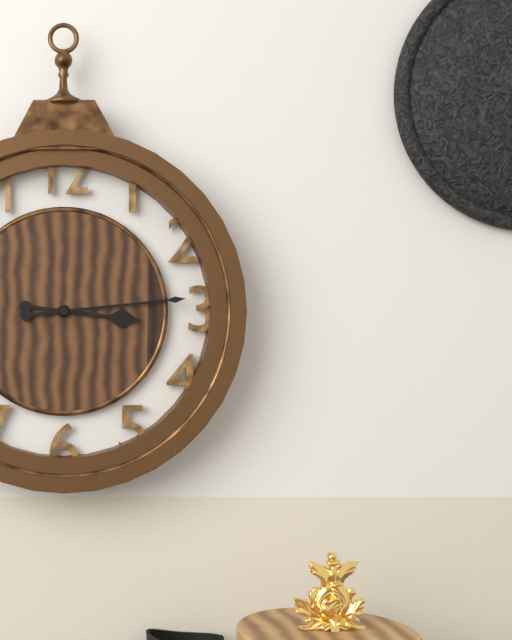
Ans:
3h14
